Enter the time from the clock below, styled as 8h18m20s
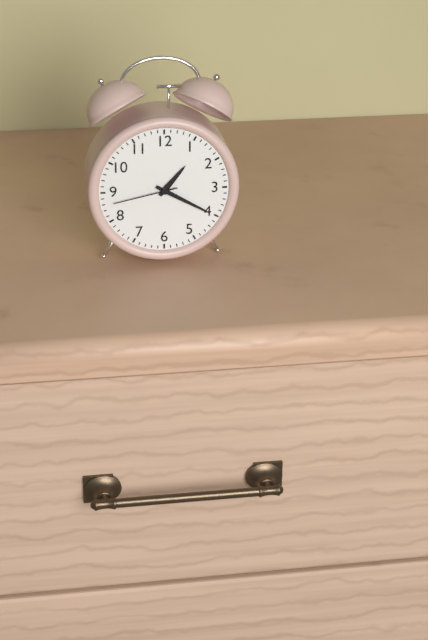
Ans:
1h20m43s
